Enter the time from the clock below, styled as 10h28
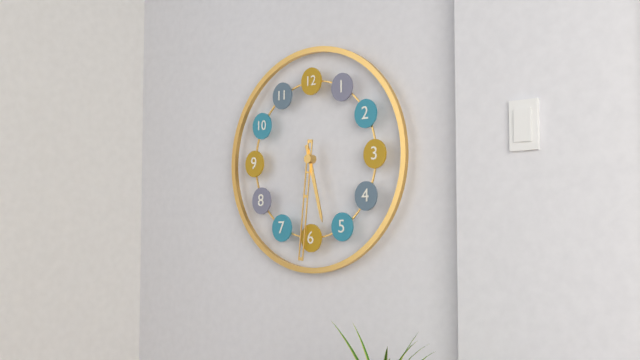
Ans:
5h31
